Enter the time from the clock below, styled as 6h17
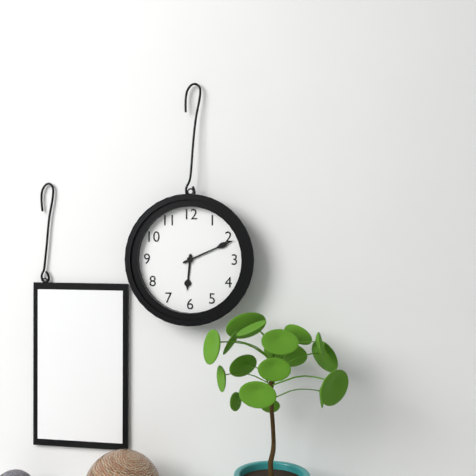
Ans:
6h11
